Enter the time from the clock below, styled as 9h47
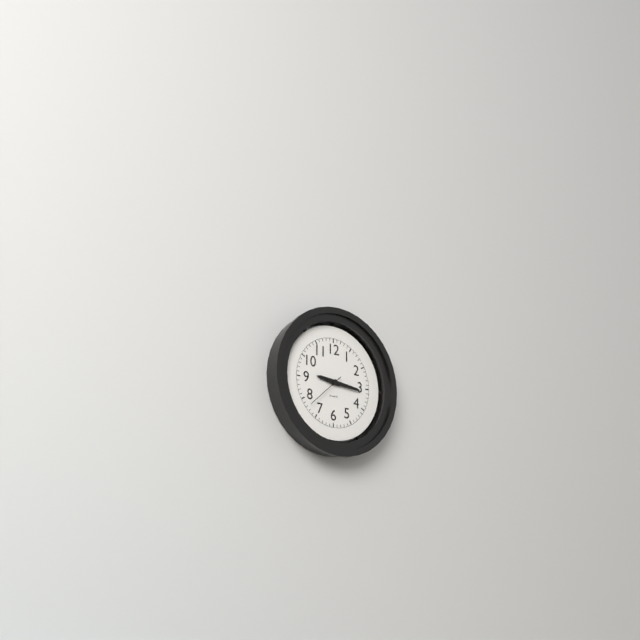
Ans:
9h16
